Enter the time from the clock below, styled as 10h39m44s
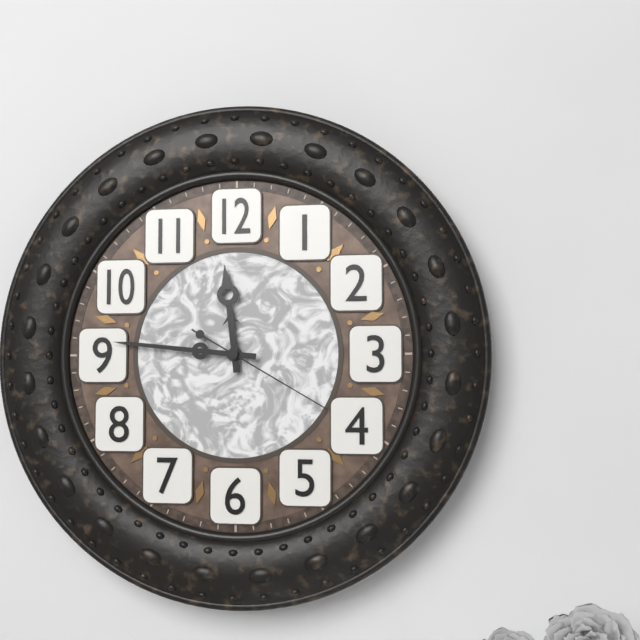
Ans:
11h46m20s
